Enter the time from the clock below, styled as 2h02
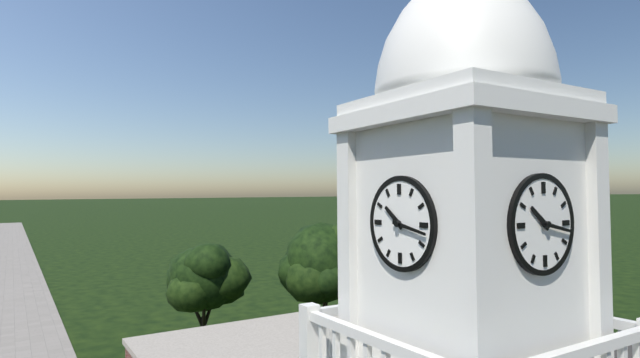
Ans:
10h17
